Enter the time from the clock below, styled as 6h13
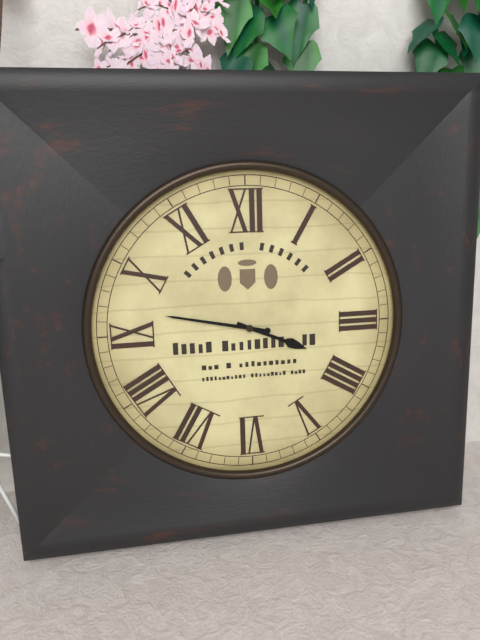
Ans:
3h47
